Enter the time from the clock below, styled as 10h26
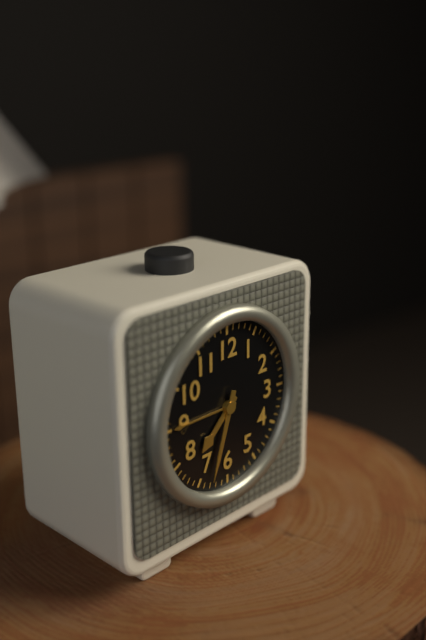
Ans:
7h33
